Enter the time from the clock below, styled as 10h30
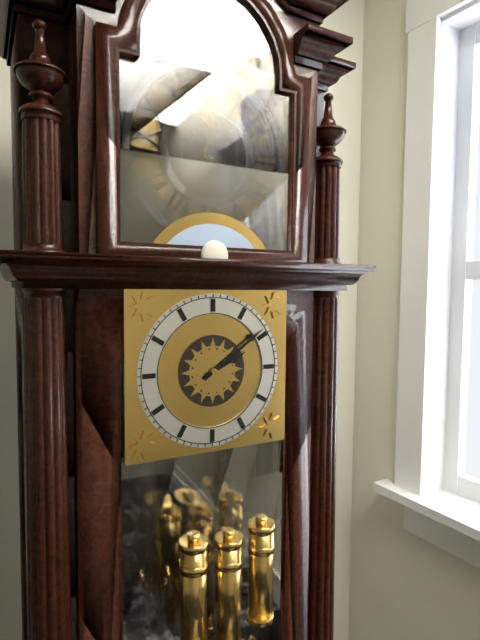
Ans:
2h09
